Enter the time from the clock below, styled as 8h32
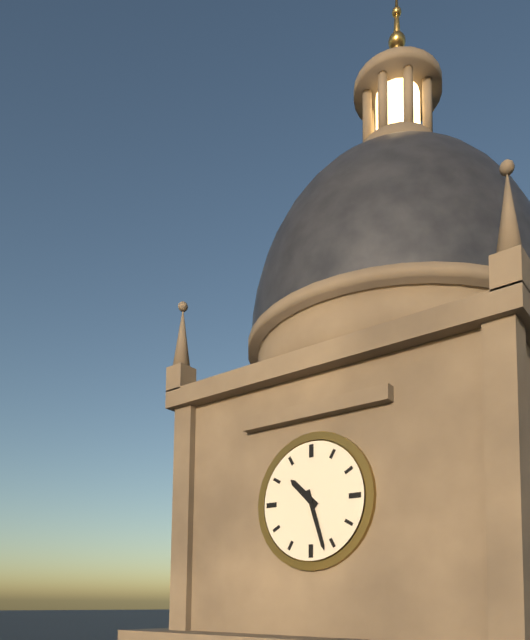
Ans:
10h27
